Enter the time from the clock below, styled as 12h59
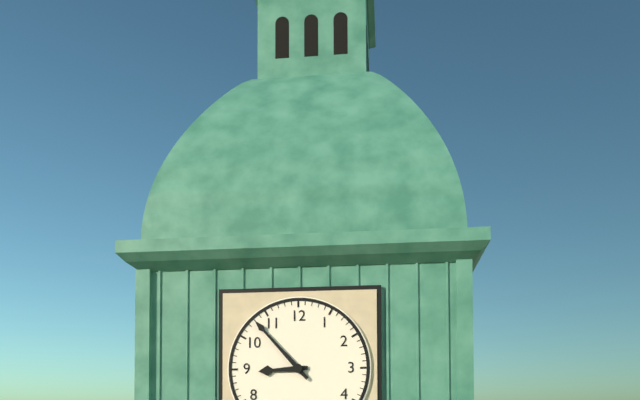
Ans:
8h53
